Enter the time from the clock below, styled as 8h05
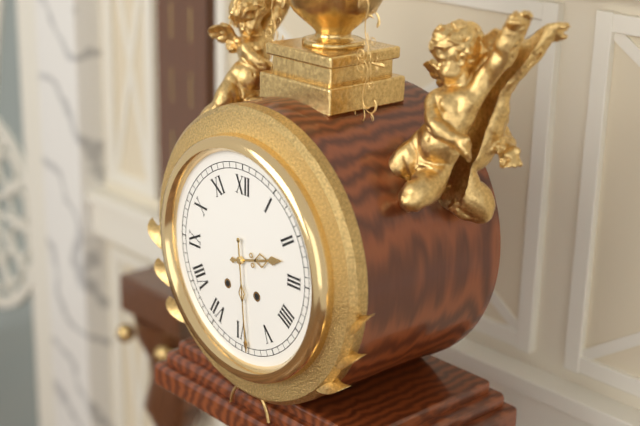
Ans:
2h29
